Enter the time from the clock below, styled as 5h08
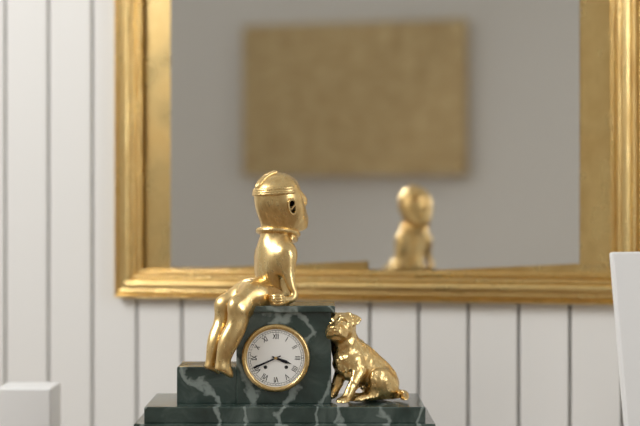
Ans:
3h41
